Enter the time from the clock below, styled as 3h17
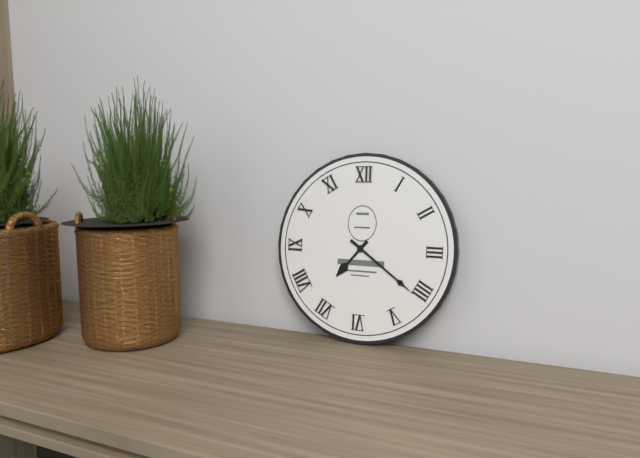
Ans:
7h21
